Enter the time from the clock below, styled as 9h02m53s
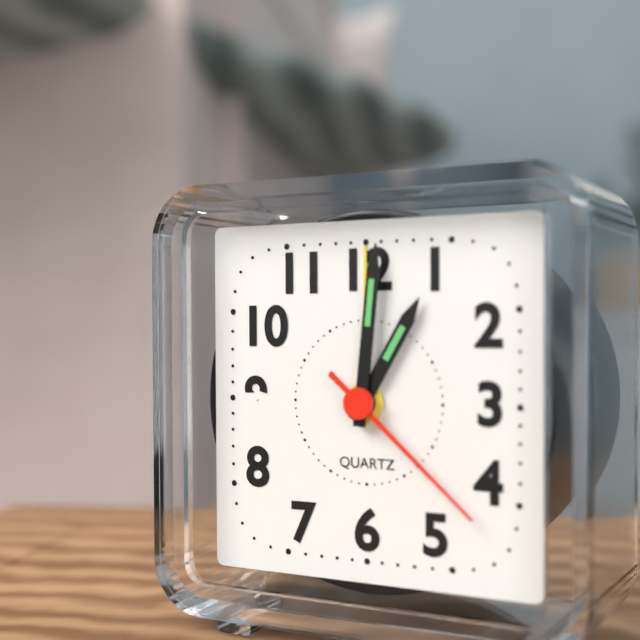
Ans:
1h01m22s
